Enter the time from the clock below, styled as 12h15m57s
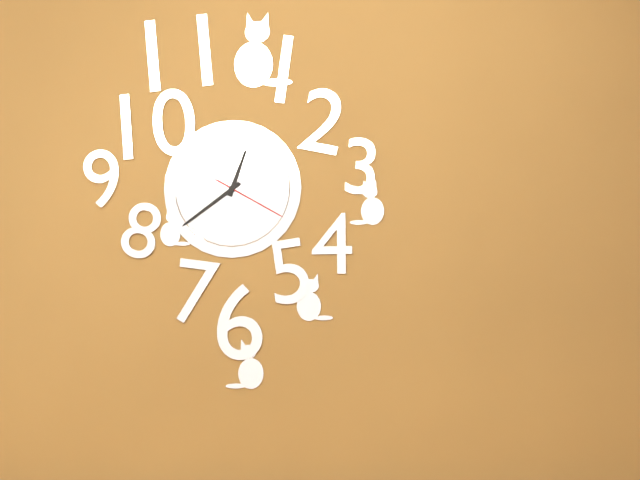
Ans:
12h39m20s
